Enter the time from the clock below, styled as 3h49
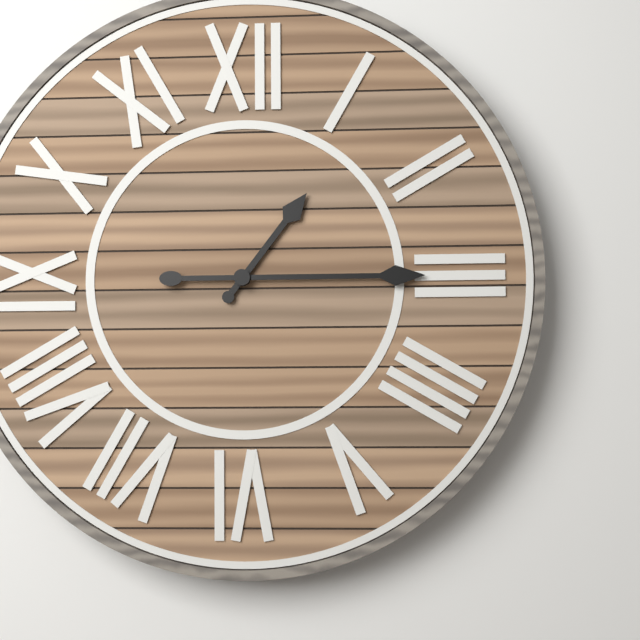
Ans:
1h15
